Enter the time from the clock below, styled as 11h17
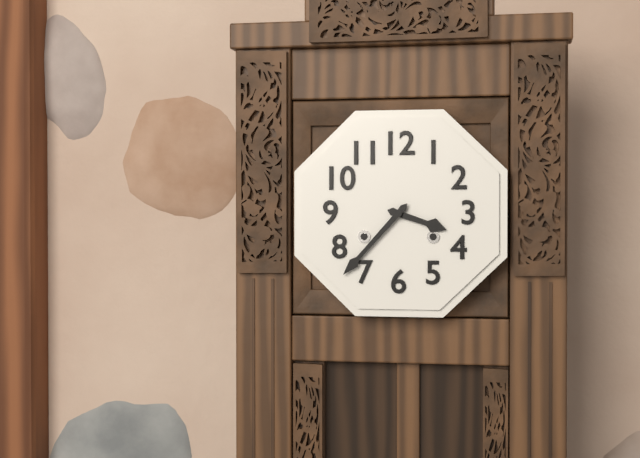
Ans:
3h37
